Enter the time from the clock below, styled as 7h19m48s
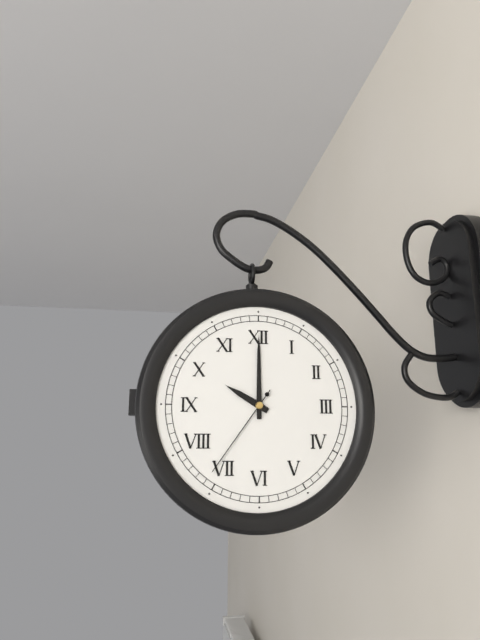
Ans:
10h00m36s
